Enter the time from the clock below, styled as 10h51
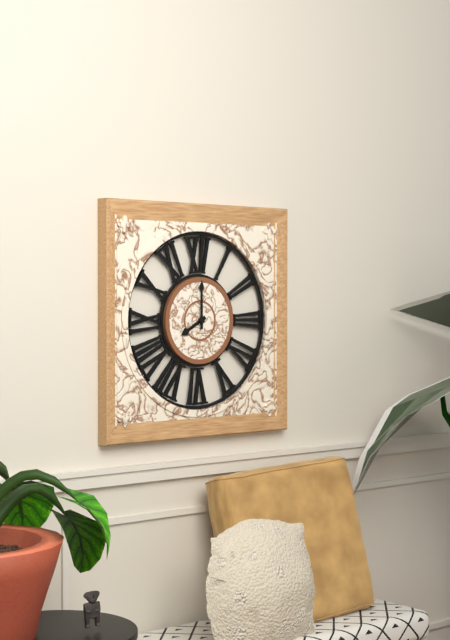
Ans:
8h00
